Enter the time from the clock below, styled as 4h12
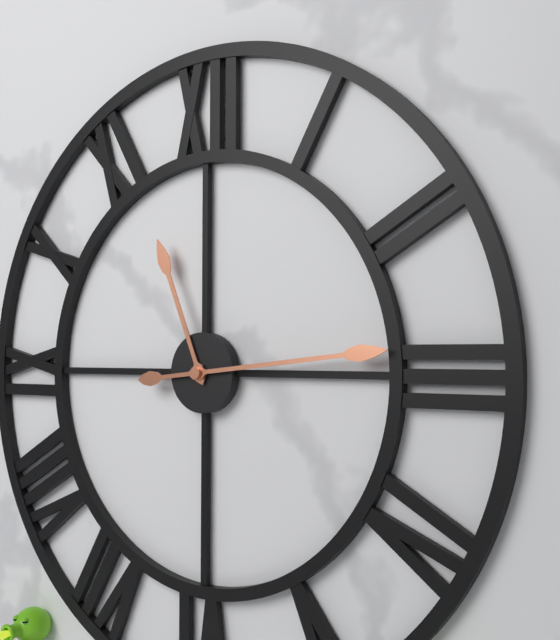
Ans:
11h14
